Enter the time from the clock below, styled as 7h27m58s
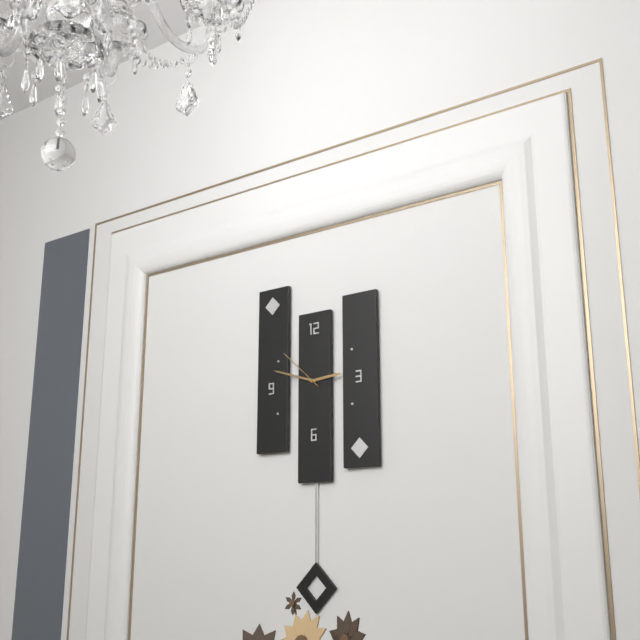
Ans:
2h48m52s
